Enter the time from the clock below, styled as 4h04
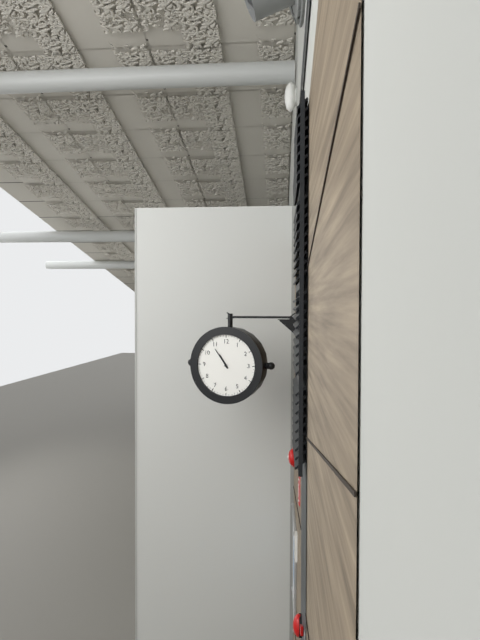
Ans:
10h54
